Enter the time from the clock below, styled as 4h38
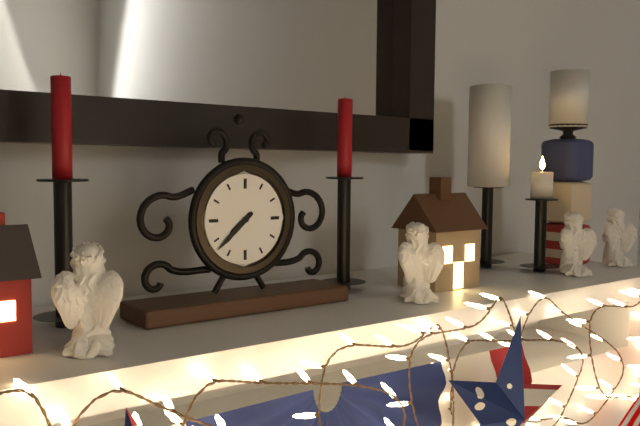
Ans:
7h38
